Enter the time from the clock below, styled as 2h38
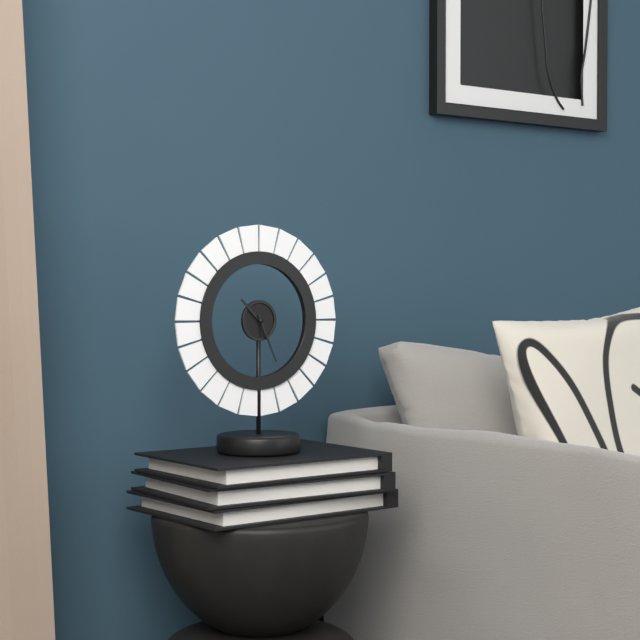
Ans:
10h26
